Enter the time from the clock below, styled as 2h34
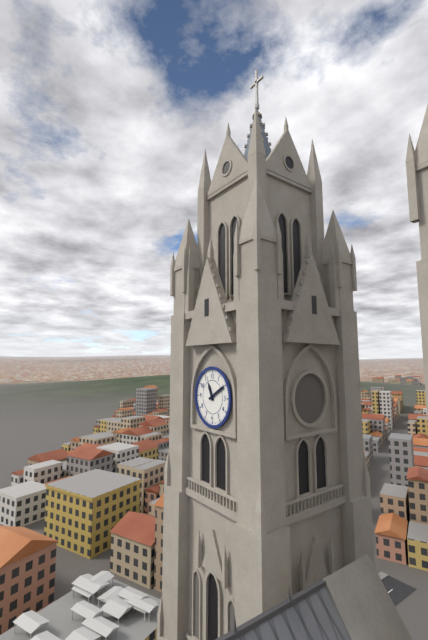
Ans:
11h10
